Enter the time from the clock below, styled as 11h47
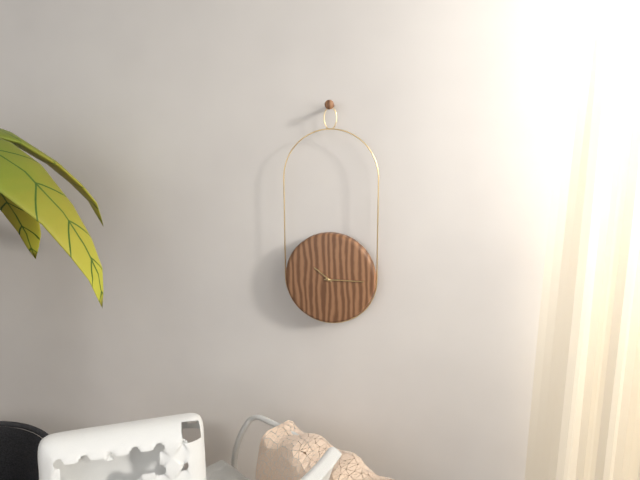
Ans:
10h15
